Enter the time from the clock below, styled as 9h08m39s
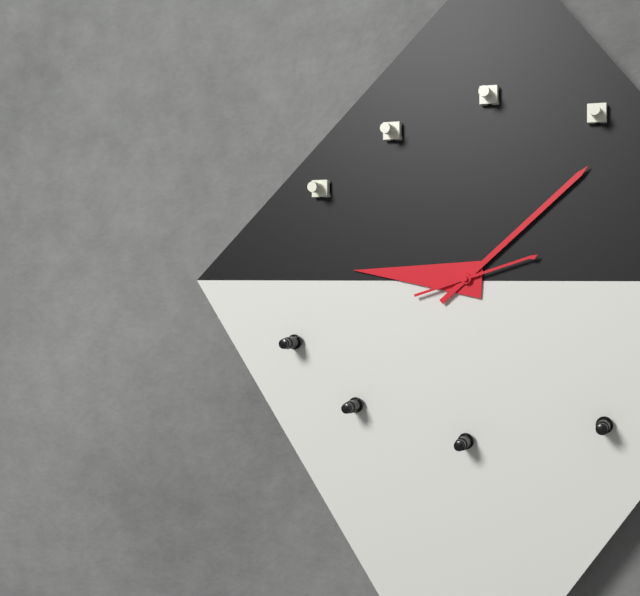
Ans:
9h08m12s
